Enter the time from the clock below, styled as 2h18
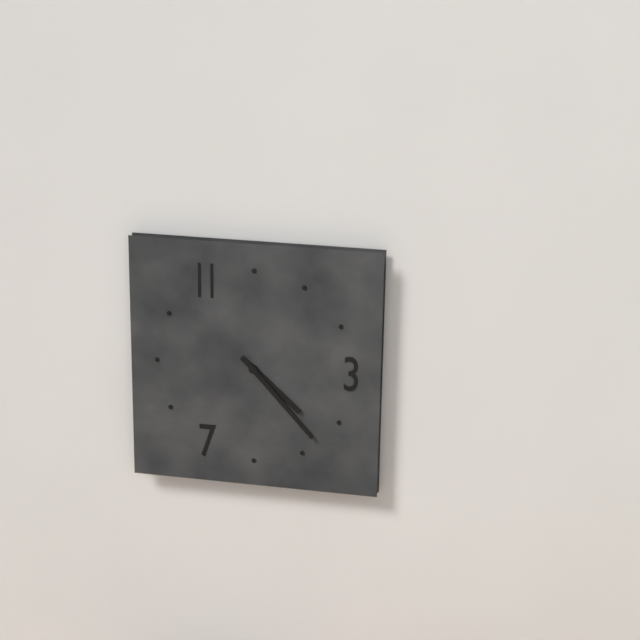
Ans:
4h23
